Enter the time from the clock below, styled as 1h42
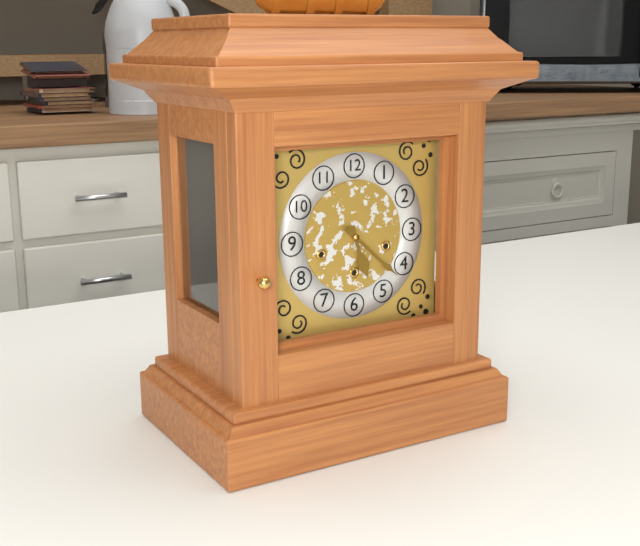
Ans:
5h22
